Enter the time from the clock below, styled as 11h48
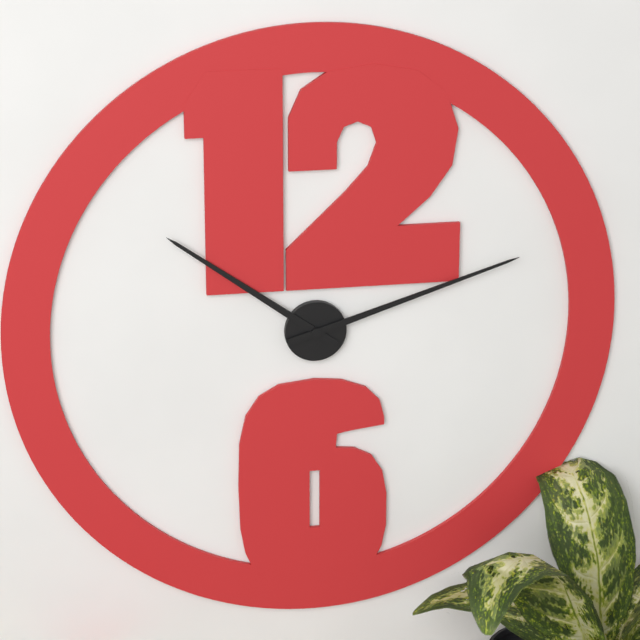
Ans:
10h12
